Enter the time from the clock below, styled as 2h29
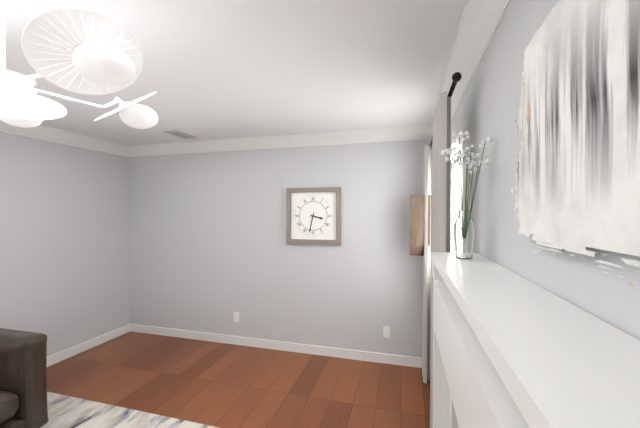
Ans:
3h32
